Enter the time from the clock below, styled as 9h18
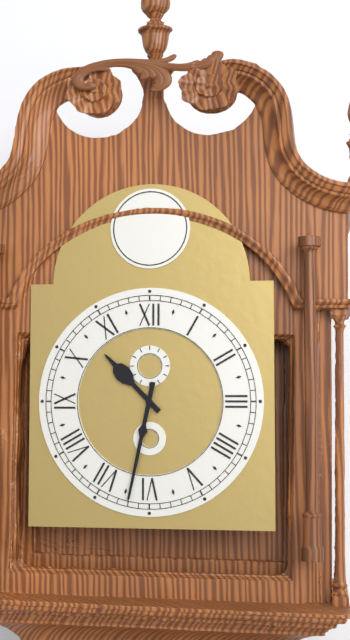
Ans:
10h32
